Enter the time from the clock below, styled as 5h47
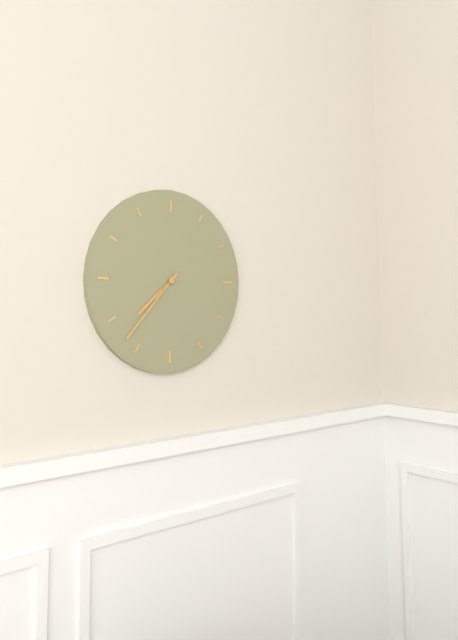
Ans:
7h37
